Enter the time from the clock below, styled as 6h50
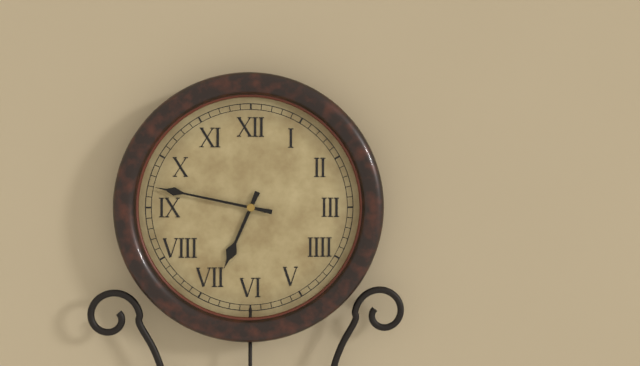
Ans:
6h47
